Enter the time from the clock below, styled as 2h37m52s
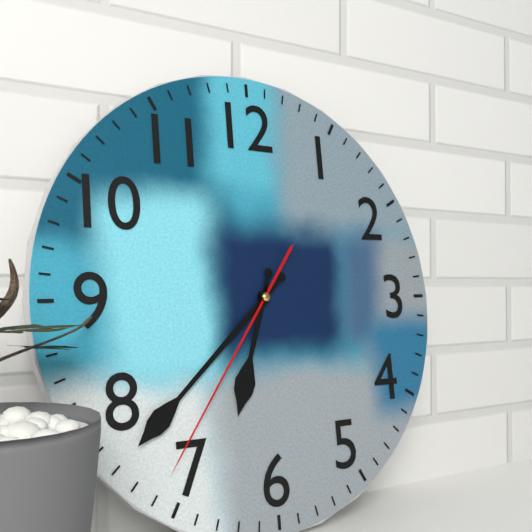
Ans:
6h38m36s
